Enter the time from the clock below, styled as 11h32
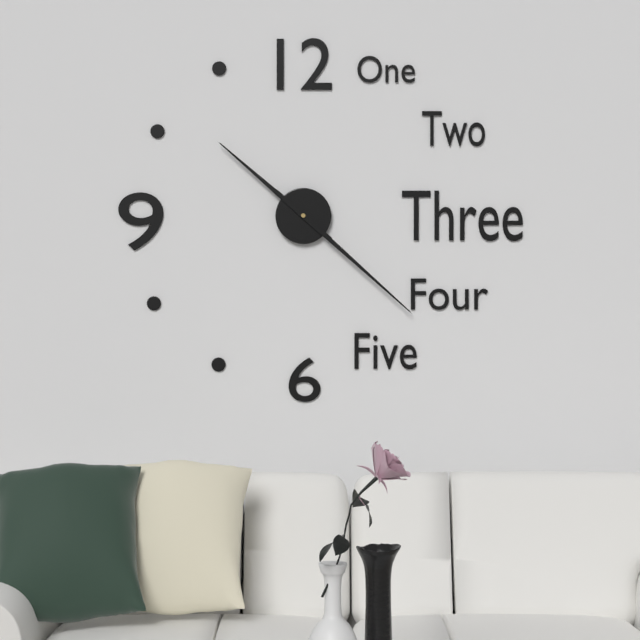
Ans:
10h22
